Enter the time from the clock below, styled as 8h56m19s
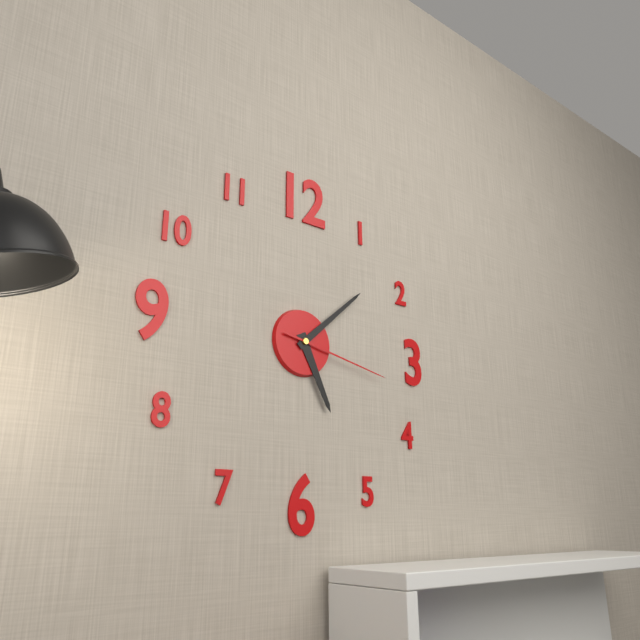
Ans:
5h08m17s
